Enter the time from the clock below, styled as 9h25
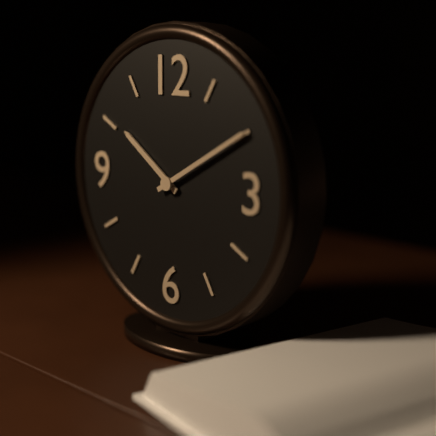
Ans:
10h10
